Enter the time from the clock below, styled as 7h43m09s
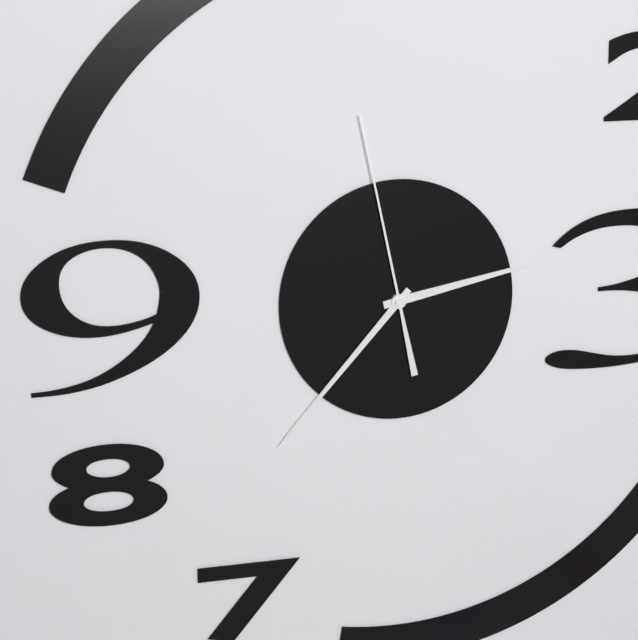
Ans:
2h37m58s
